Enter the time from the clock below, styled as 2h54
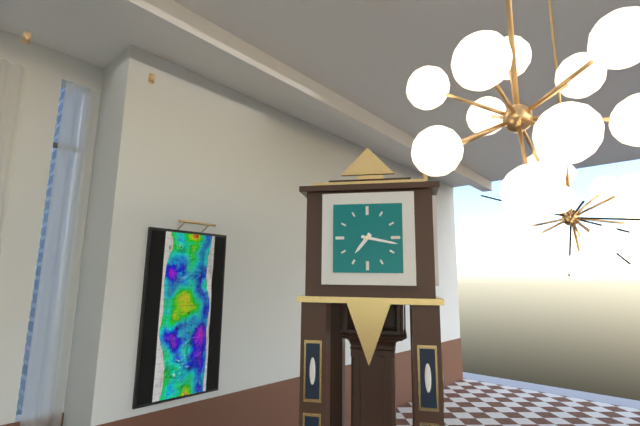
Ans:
7h17
